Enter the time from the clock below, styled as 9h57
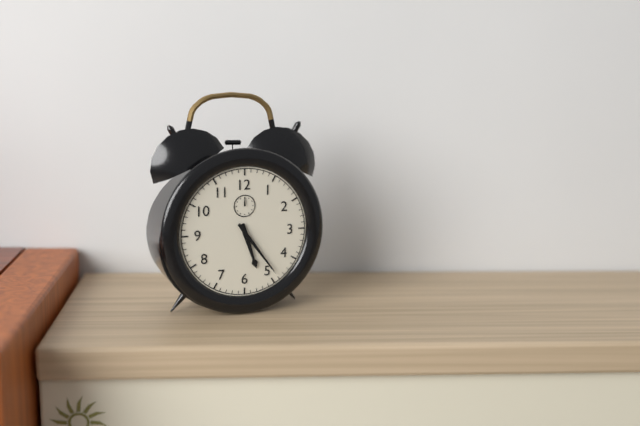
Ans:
5h24
